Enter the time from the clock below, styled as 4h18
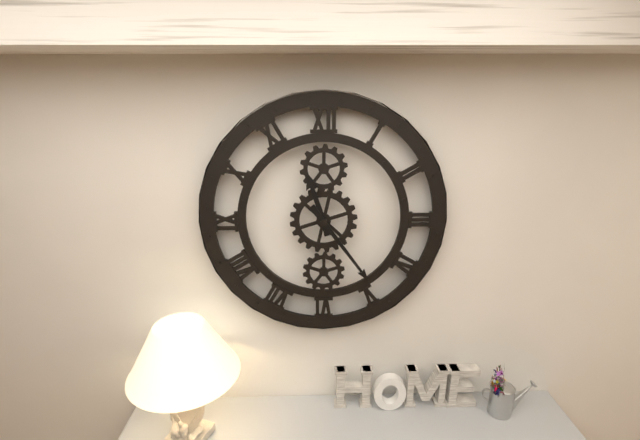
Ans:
11h24
